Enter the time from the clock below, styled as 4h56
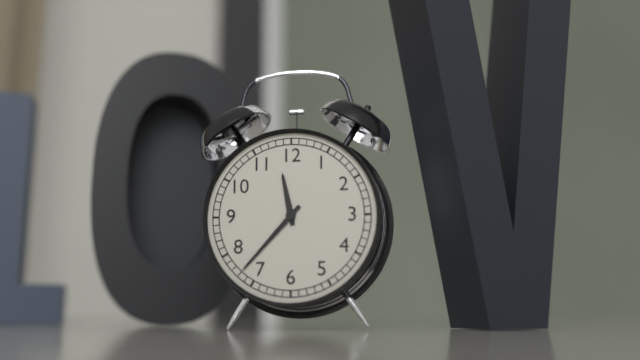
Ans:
11h37
